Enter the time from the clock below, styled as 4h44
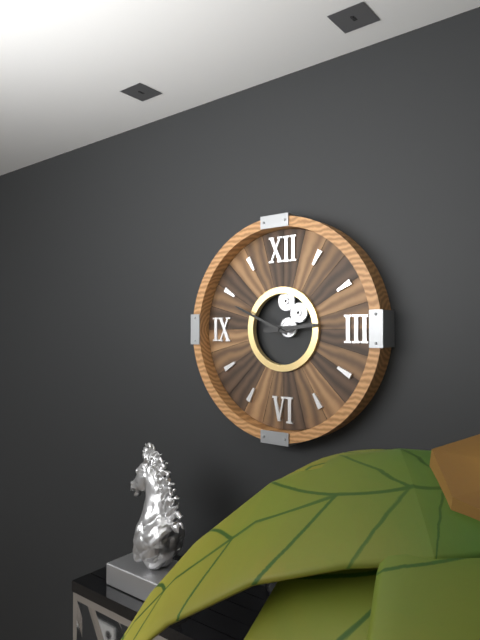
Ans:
2h49
